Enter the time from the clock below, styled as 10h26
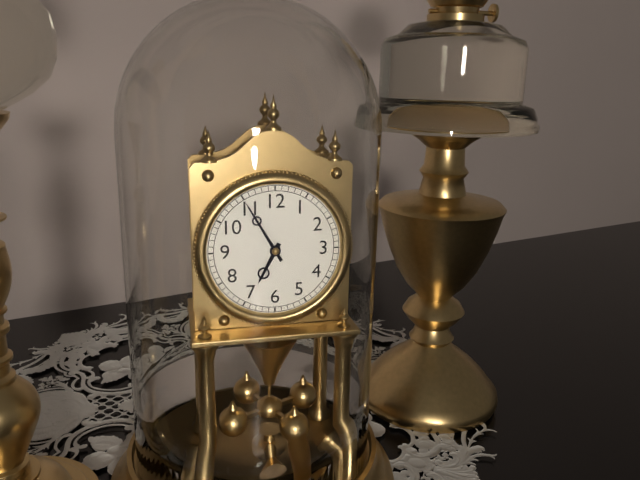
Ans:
6h55
